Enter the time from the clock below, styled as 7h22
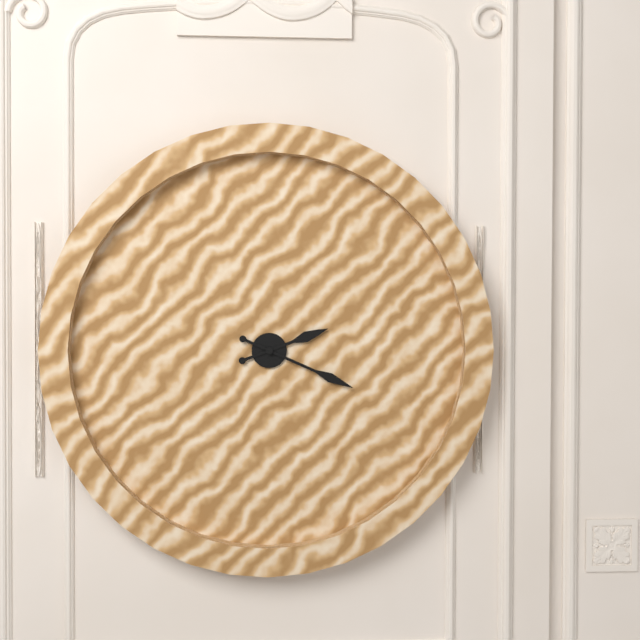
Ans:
2h19
